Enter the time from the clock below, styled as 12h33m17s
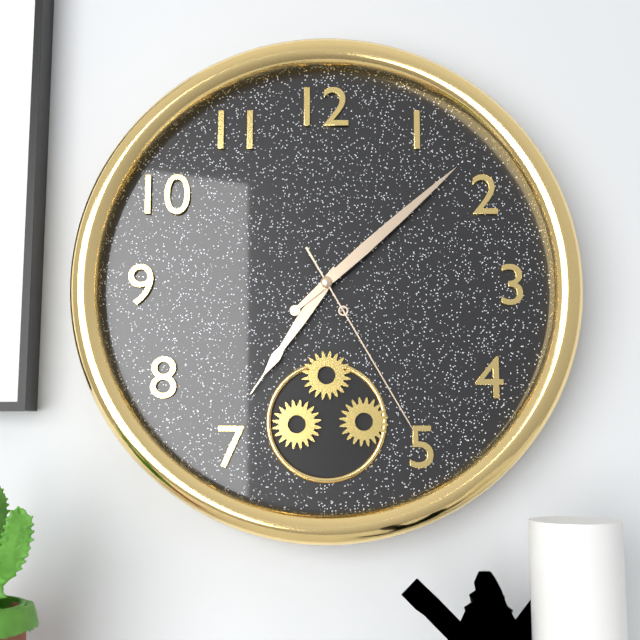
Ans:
7h08m25s
